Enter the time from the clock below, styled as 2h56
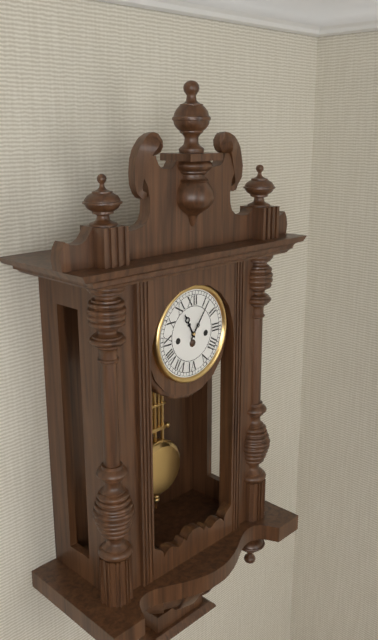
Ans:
11h06
